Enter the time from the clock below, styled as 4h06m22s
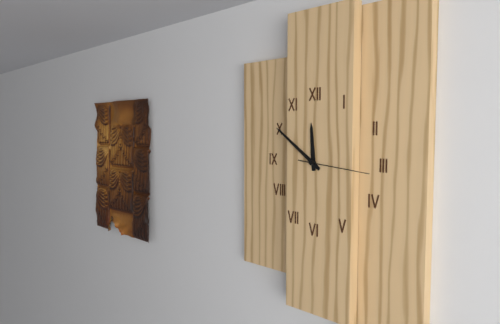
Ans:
11h51m16s
